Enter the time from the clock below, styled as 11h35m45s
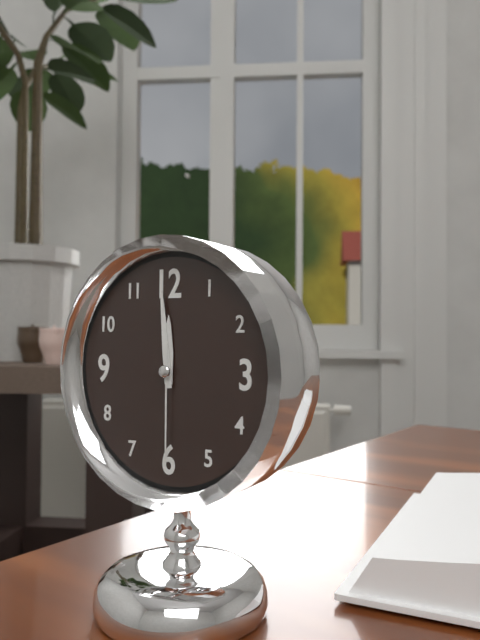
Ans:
11h59m30s
